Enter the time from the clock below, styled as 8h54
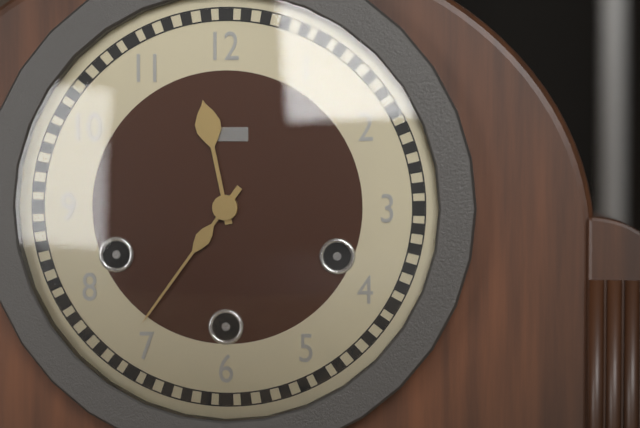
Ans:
11h36
